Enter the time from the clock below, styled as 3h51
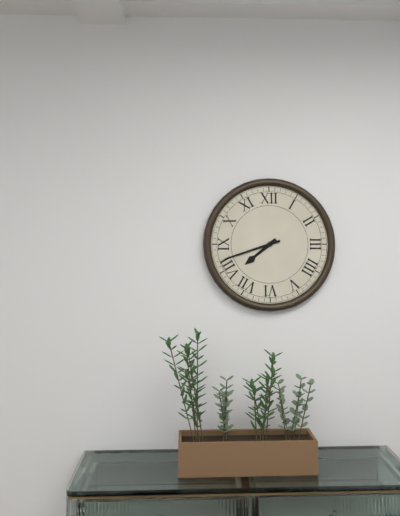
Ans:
7h42
